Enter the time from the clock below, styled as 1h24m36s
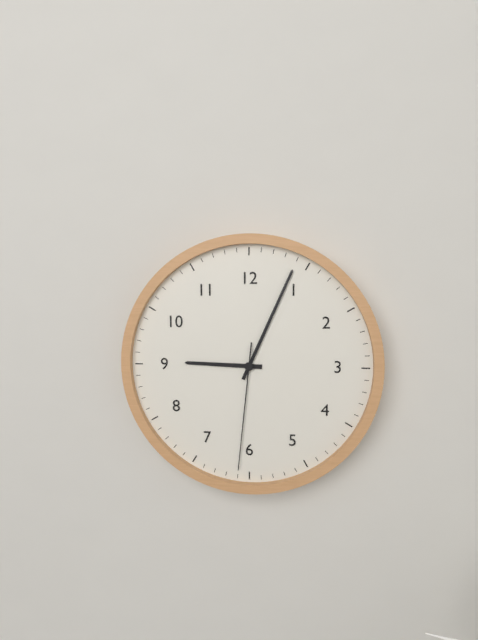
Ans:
9h04m31s
